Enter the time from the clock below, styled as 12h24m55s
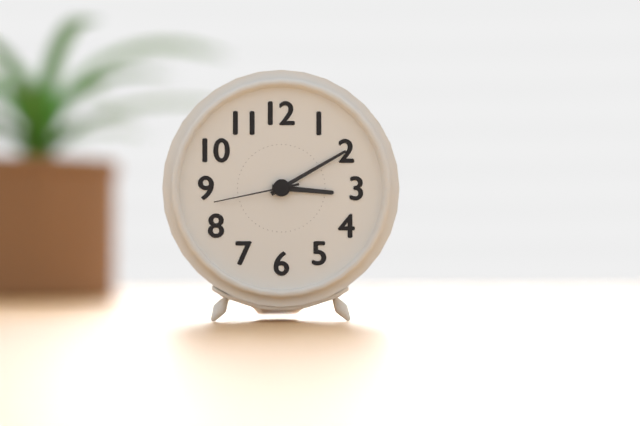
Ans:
3h10m43s
